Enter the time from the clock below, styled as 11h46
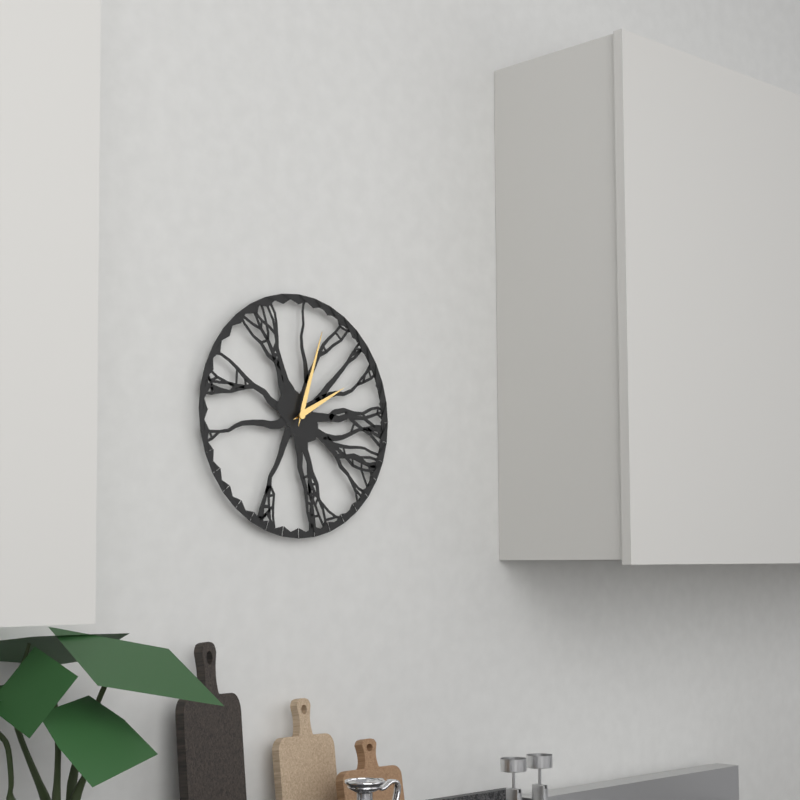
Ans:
2h03
